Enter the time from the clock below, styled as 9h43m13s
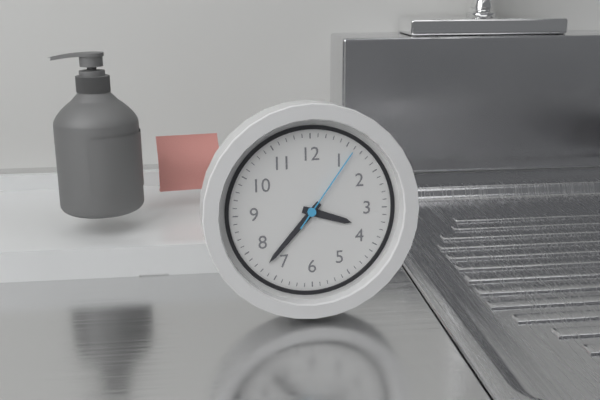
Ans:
3h37m06s
